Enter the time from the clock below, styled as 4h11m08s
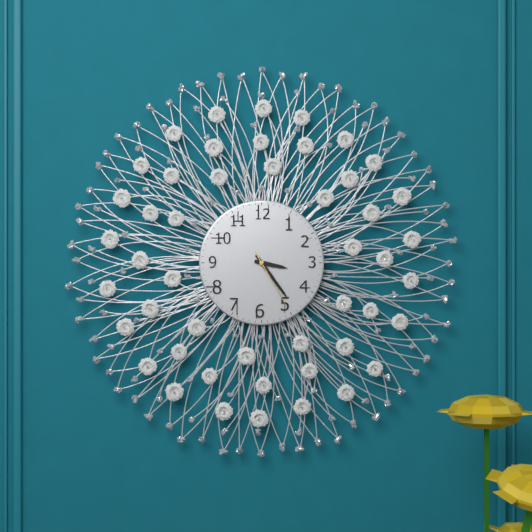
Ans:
3h24m25s
